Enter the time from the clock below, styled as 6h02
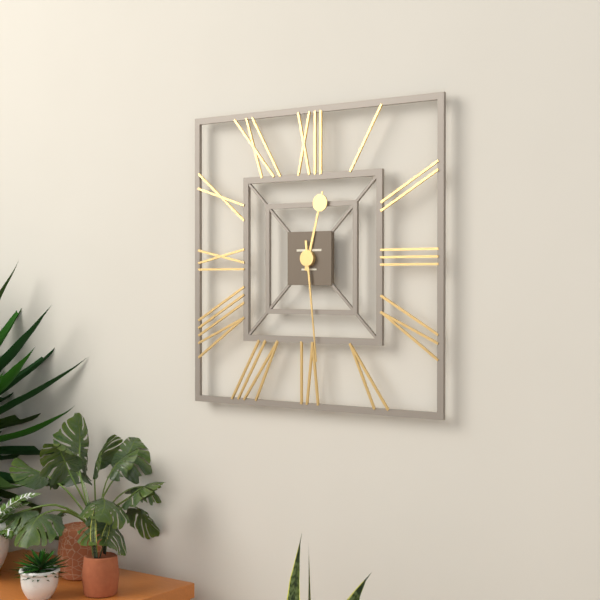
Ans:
12h29
